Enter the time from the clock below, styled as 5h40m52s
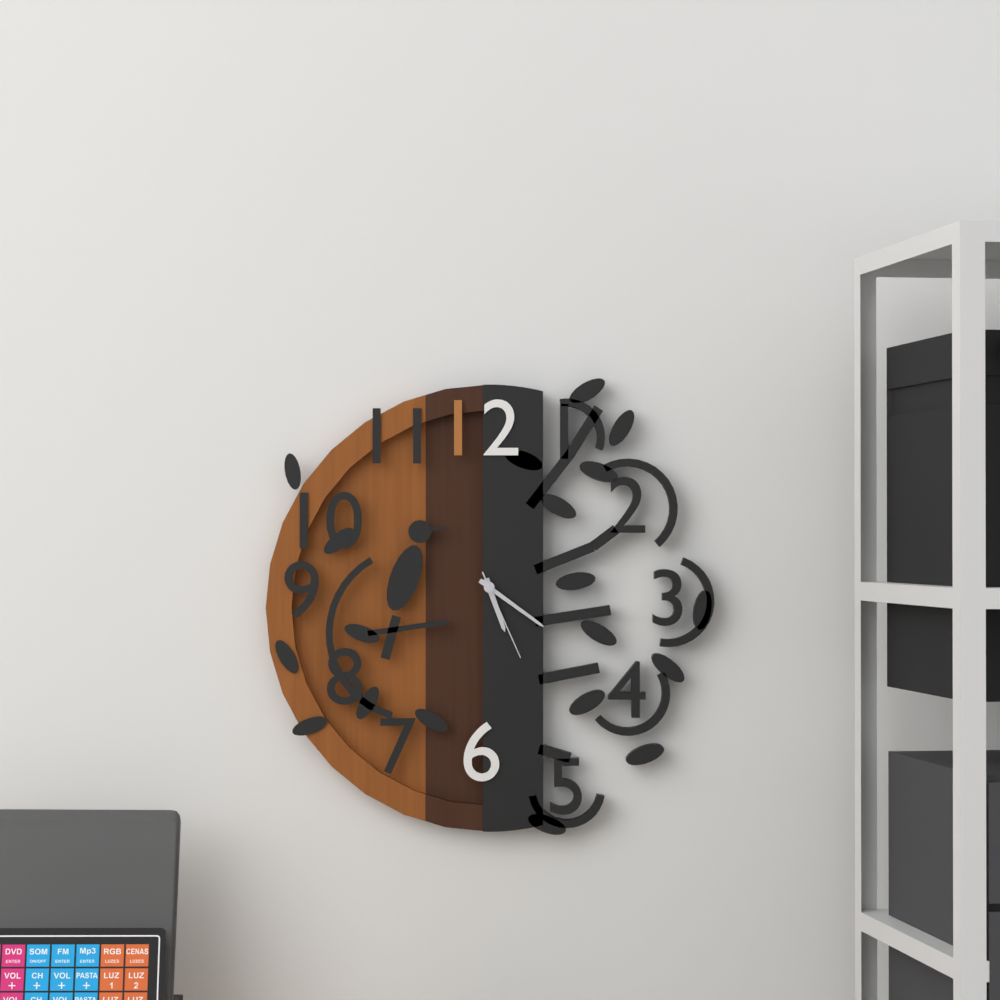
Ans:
5h21m26s
